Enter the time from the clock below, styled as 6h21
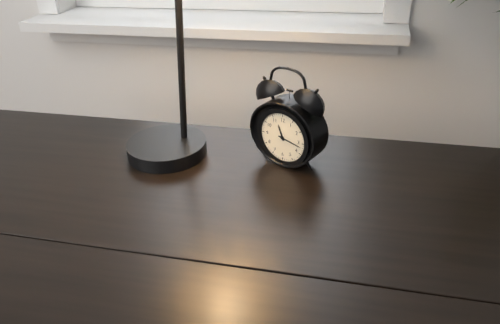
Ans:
11h17
